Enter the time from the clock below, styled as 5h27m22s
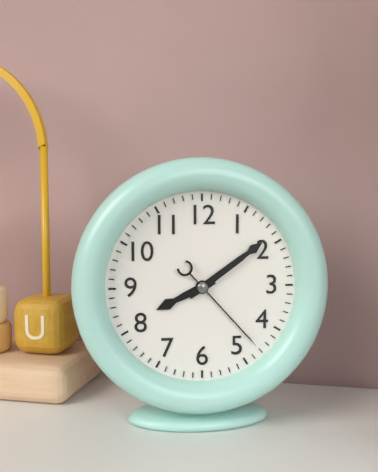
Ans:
8h09m23s
